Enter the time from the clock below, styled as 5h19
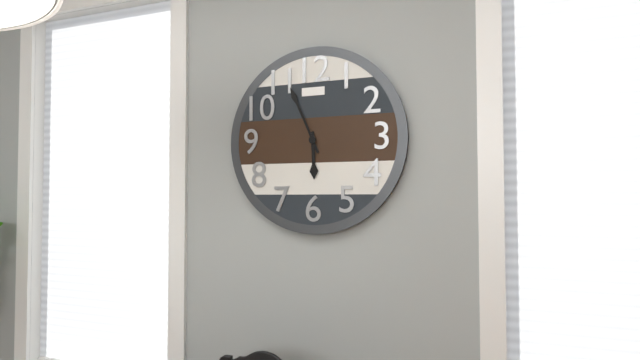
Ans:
5h56
